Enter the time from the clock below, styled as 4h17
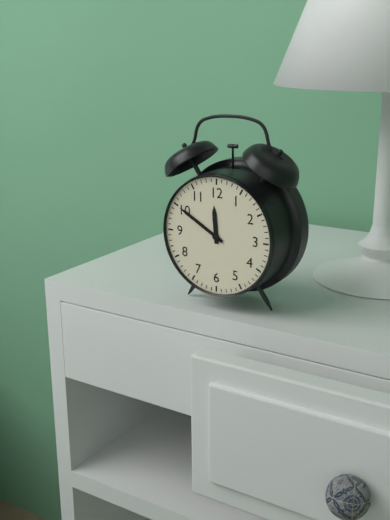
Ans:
11h50
